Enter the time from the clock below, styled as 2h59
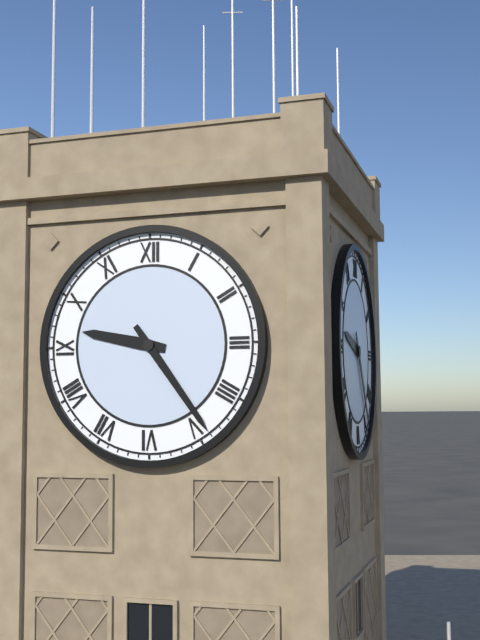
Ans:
9h24
